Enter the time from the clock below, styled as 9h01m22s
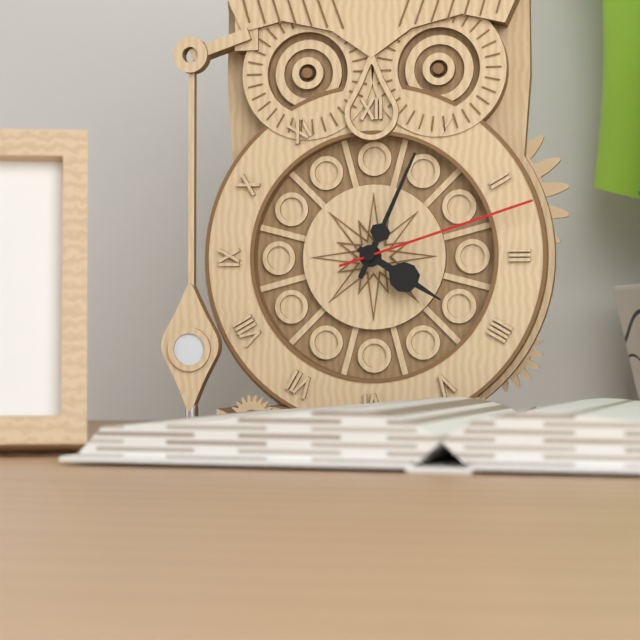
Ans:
4h04m12s
